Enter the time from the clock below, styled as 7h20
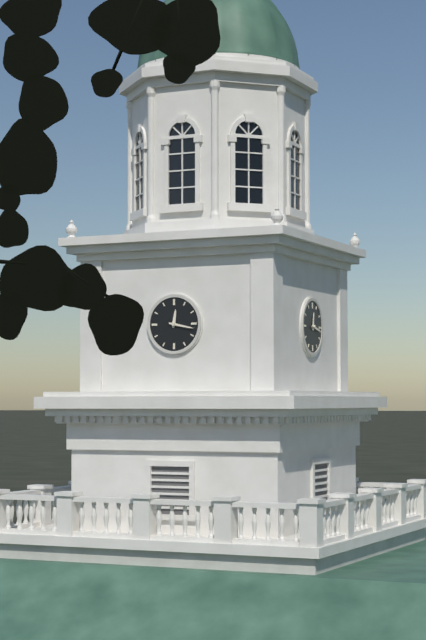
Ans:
12h17
